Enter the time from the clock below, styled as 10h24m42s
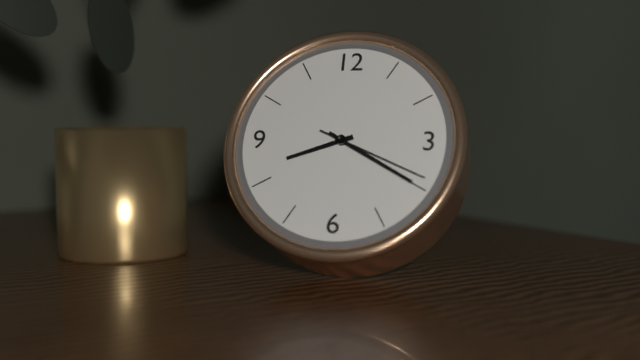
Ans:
8h20m19s
